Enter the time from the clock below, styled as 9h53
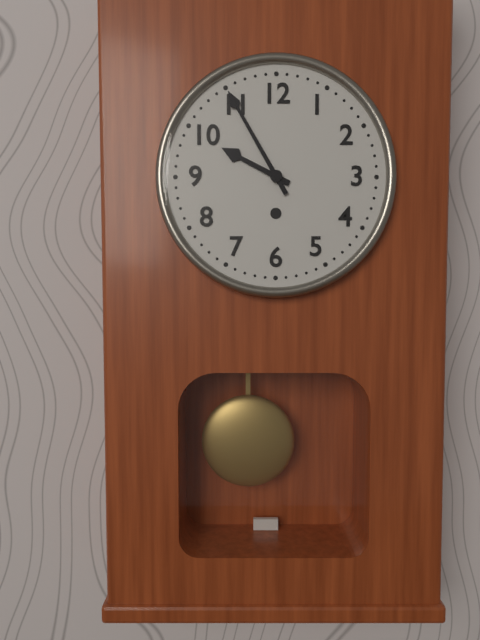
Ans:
9h55
